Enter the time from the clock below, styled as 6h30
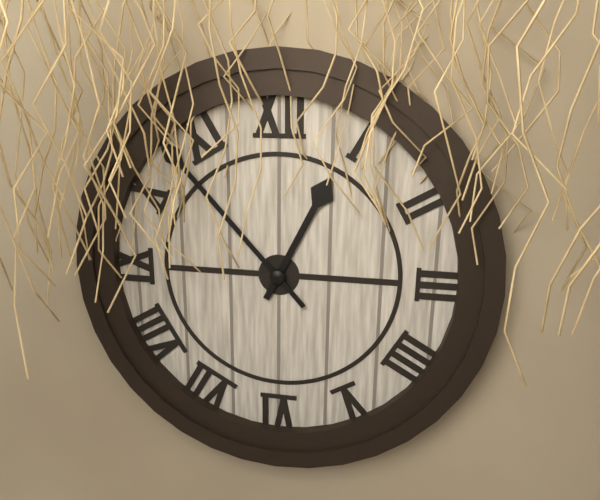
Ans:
12h53
